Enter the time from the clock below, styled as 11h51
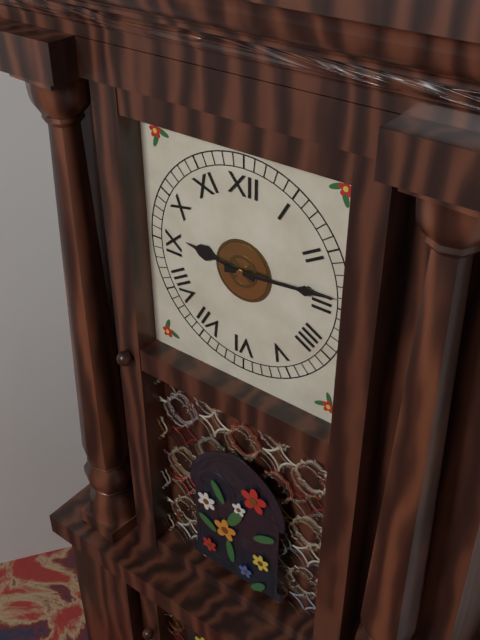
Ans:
9h14
